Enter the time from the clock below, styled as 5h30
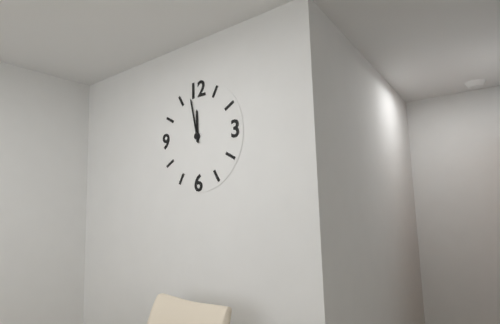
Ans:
11h58
